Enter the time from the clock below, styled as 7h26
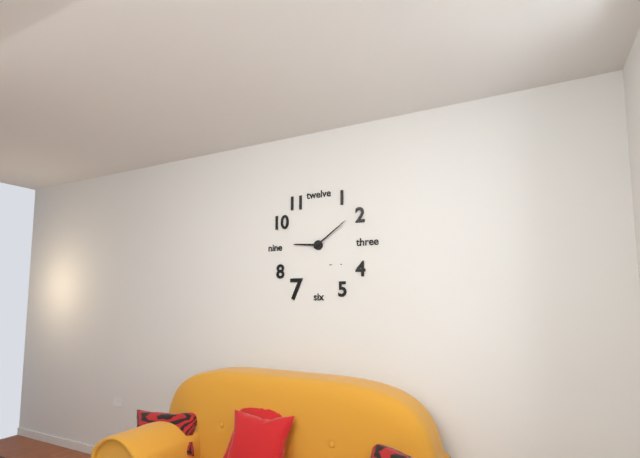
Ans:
9h09
